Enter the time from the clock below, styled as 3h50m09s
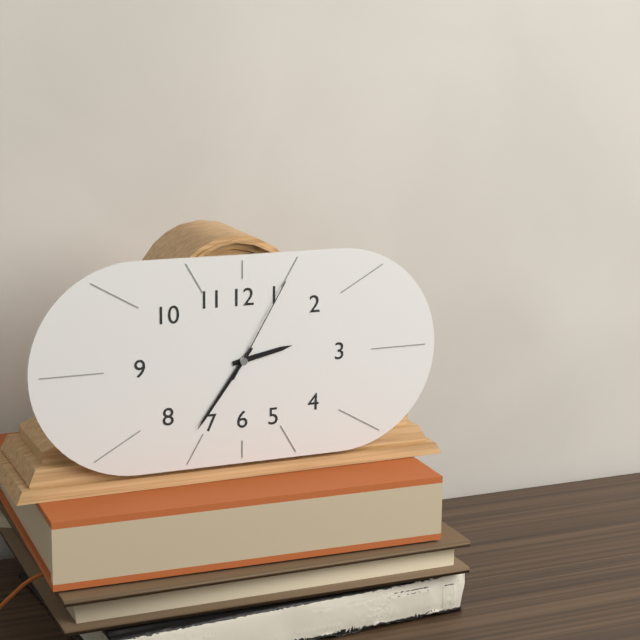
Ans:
2h36m05s
